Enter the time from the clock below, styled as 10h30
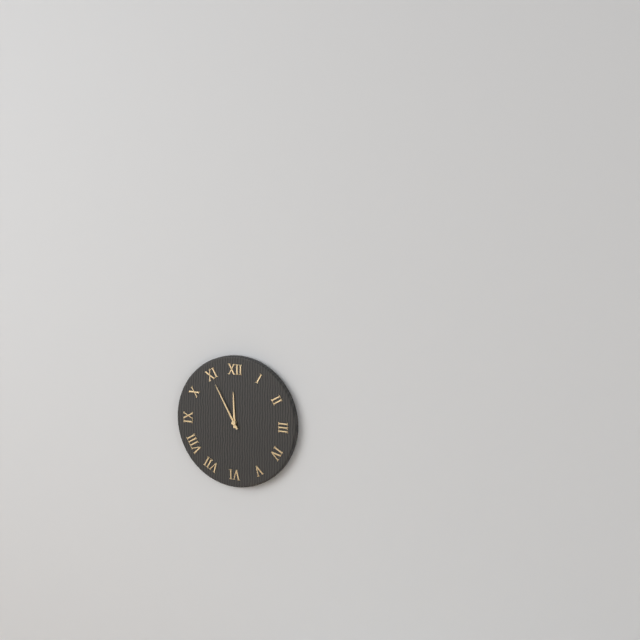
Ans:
11h55
